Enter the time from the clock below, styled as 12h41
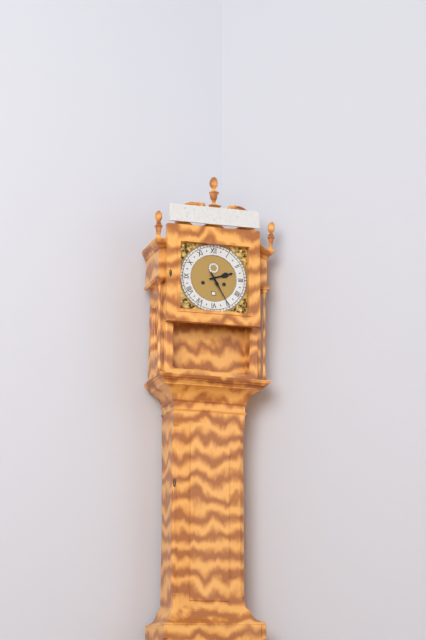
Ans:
2h25
